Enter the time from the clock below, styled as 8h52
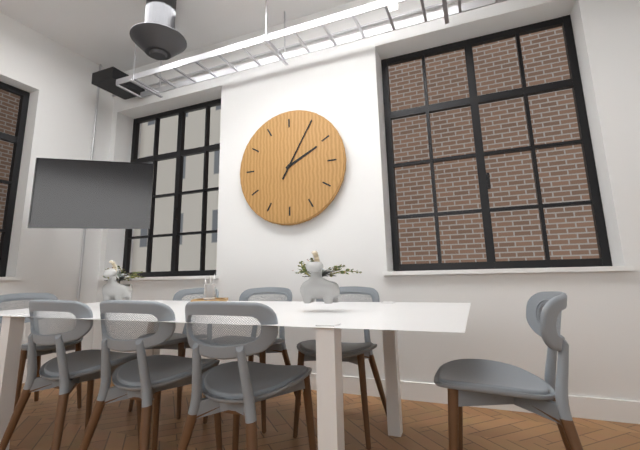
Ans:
2h05
